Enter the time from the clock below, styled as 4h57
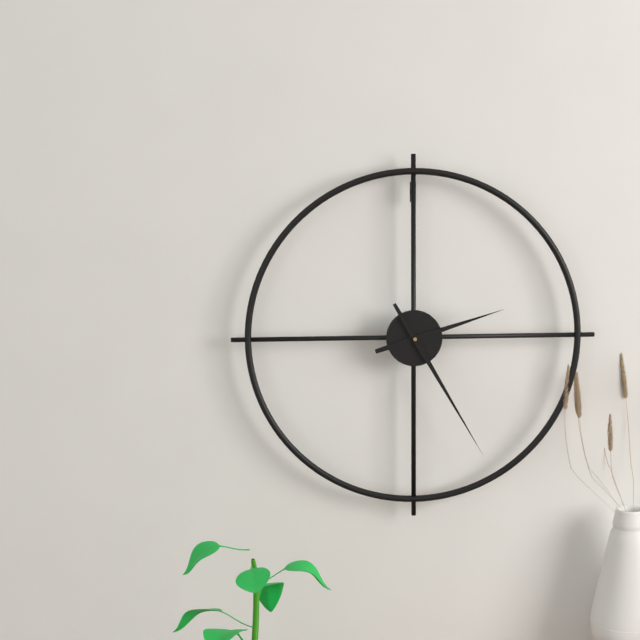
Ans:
2h25
